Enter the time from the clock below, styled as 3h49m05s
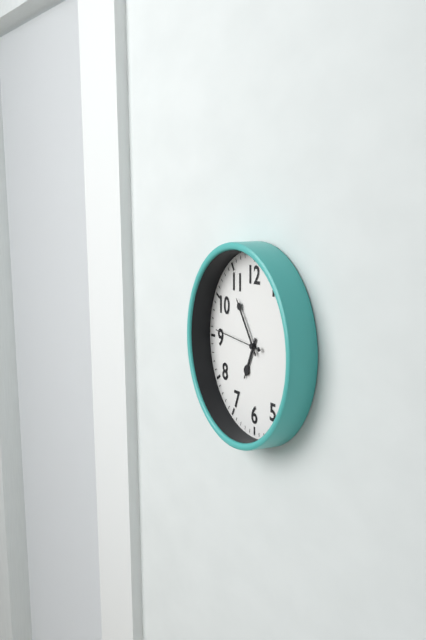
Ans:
6h54m46s
